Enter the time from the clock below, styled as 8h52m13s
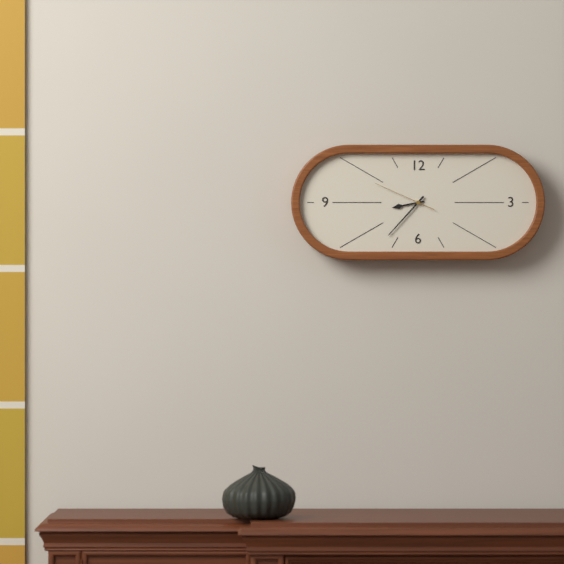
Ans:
8h37m49s
